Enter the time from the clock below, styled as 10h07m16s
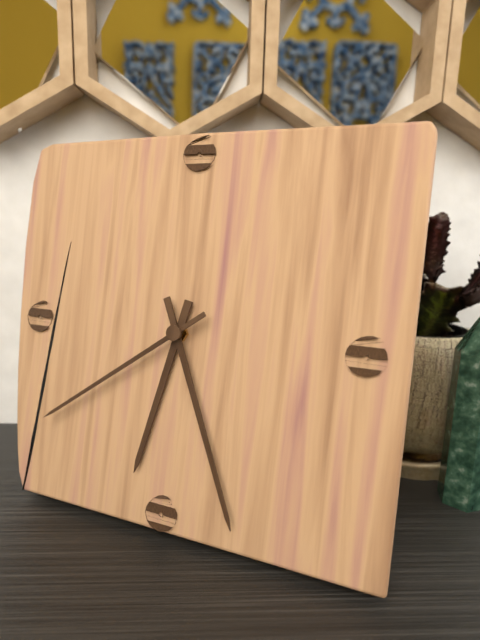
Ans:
6h26m39s
